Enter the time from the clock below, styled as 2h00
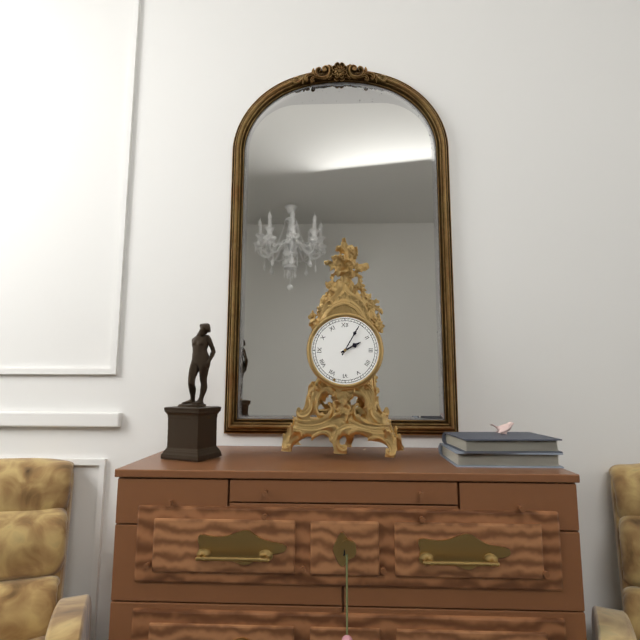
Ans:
2h05
